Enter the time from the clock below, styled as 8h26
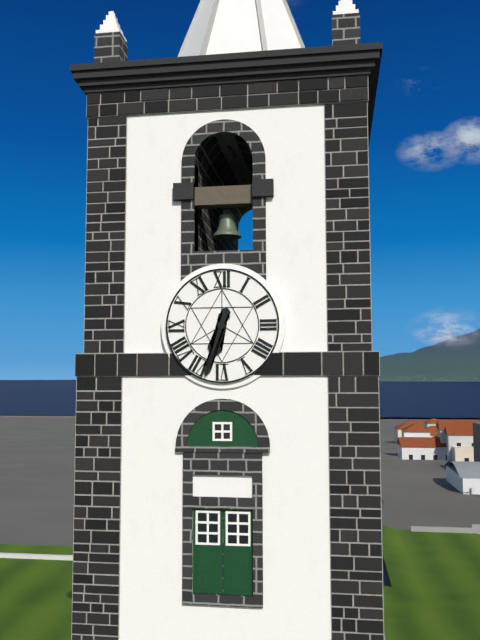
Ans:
6h33
